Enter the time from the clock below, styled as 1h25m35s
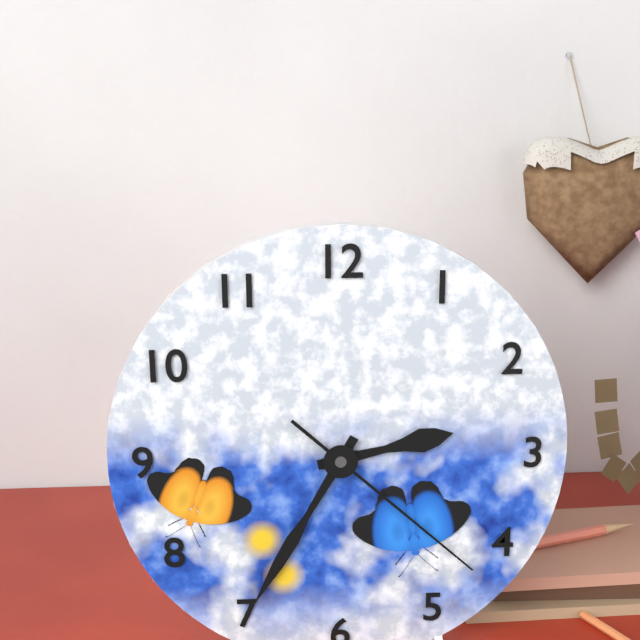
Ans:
2h35m22s
